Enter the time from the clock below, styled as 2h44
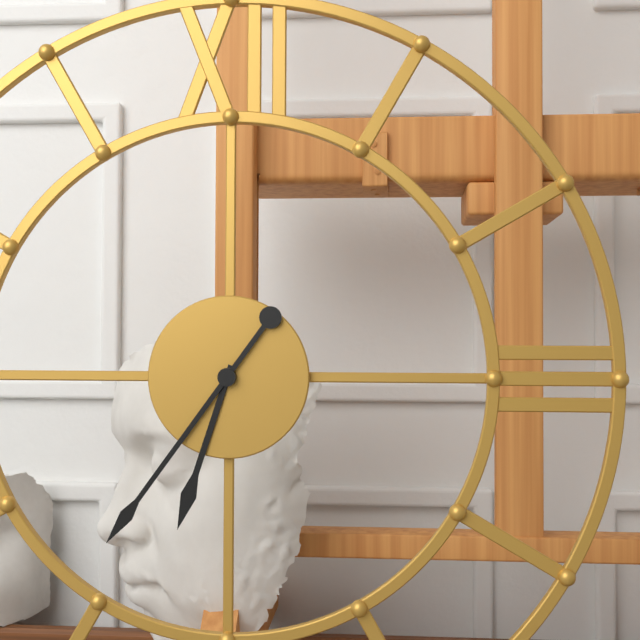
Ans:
6h36
